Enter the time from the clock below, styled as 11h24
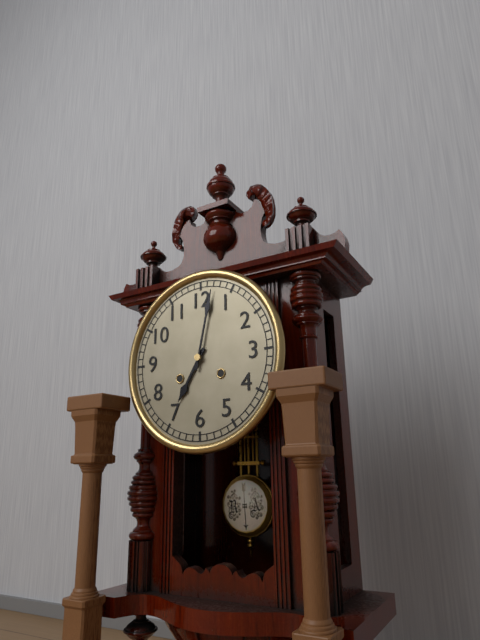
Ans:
7h02
